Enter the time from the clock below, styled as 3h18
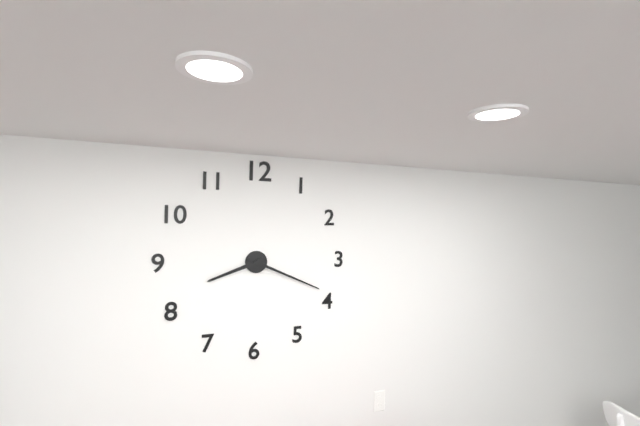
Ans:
8h19
